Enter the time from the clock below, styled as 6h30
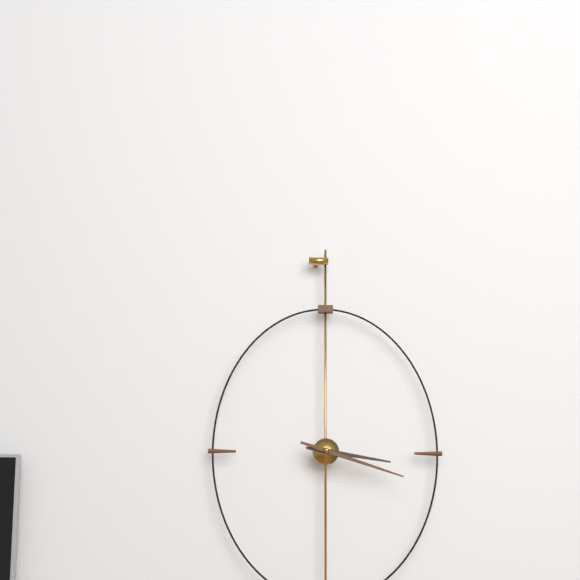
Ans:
3h18
